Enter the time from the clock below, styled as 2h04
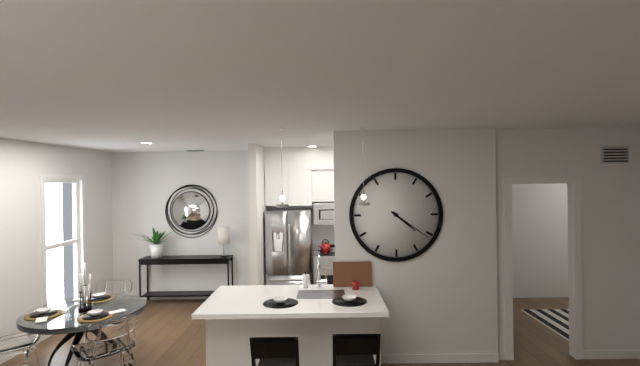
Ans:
4h21
